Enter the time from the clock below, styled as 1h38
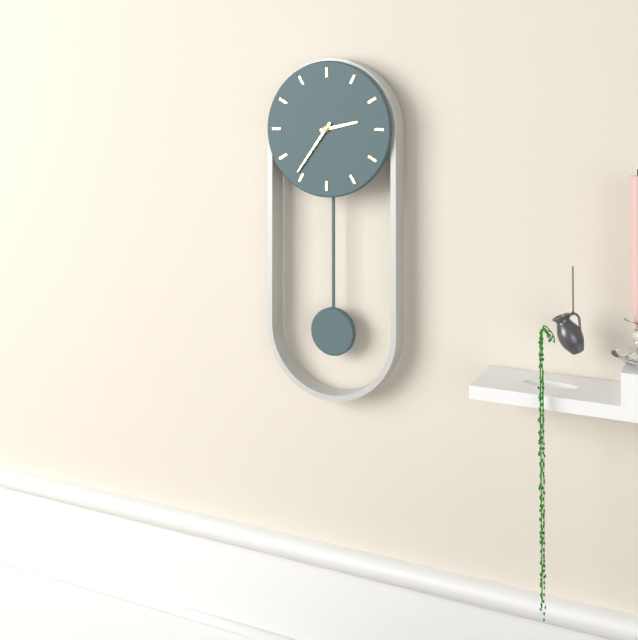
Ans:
2h36
